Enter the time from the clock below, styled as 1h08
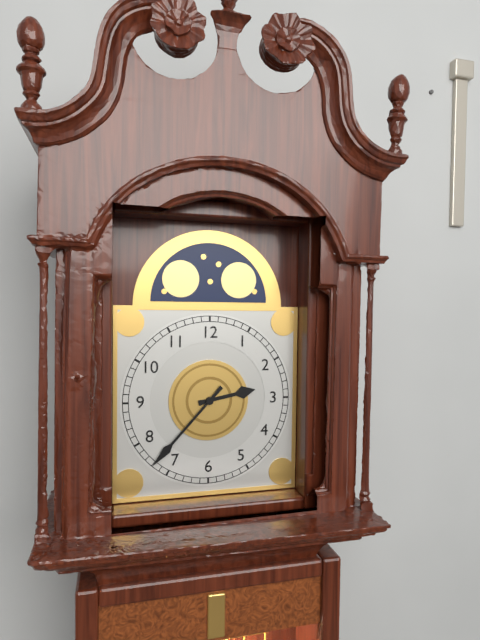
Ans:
2h37
